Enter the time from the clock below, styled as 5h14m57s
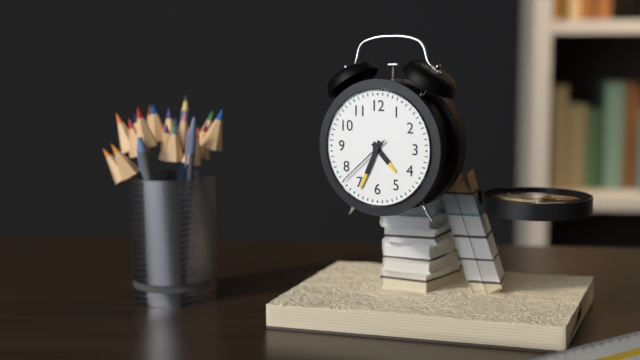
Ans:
4h34m38s
